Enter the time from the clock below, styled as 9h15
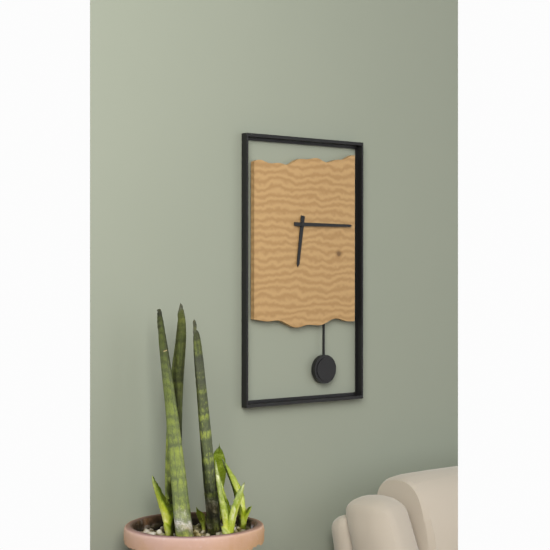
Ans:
6h15
